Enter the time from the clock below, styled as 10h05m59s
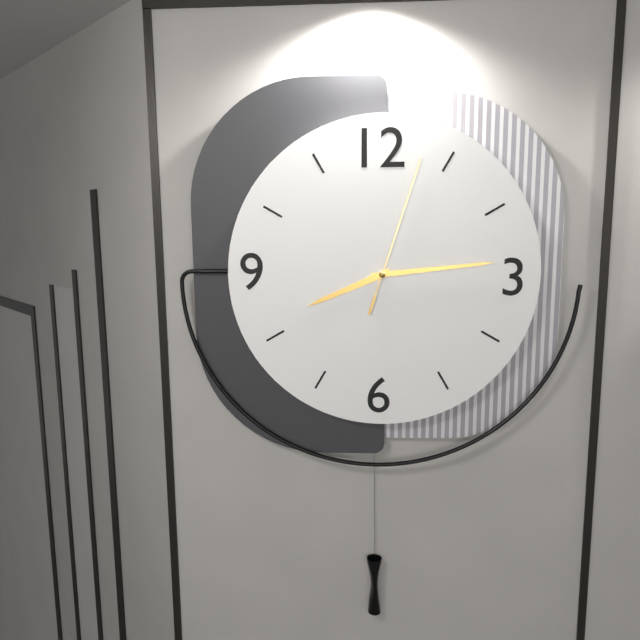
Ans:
8h14m03s
